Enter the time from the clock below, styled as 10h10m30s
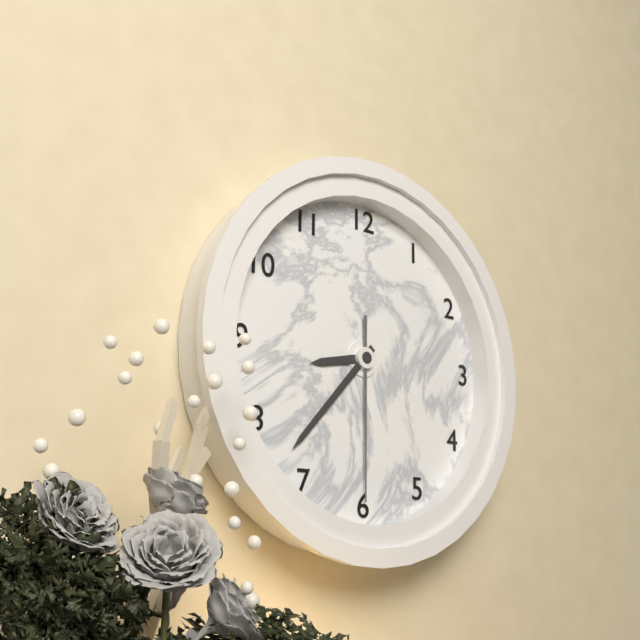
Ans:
8h37m30s
